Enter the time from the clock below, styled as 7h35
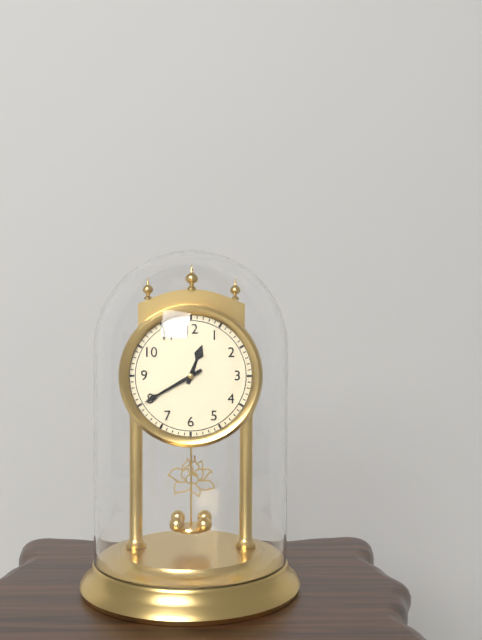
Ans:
12h40
